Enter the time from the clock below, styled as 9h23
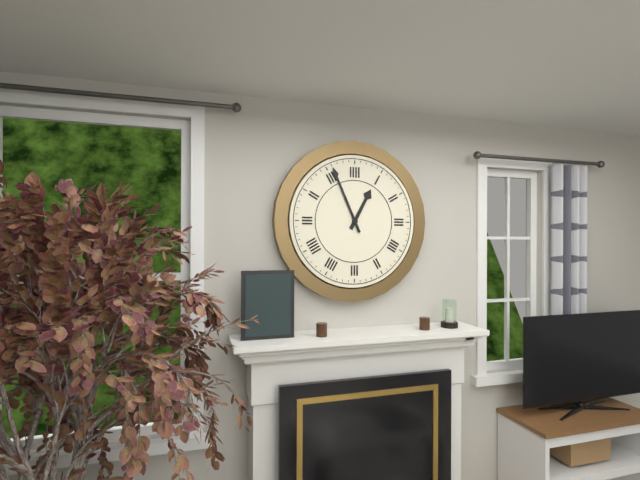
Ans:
12h56
